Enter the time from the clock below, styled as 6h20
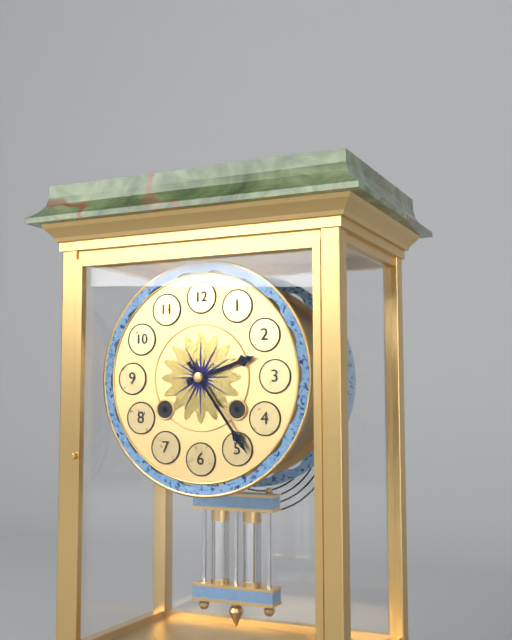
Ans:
2h24
